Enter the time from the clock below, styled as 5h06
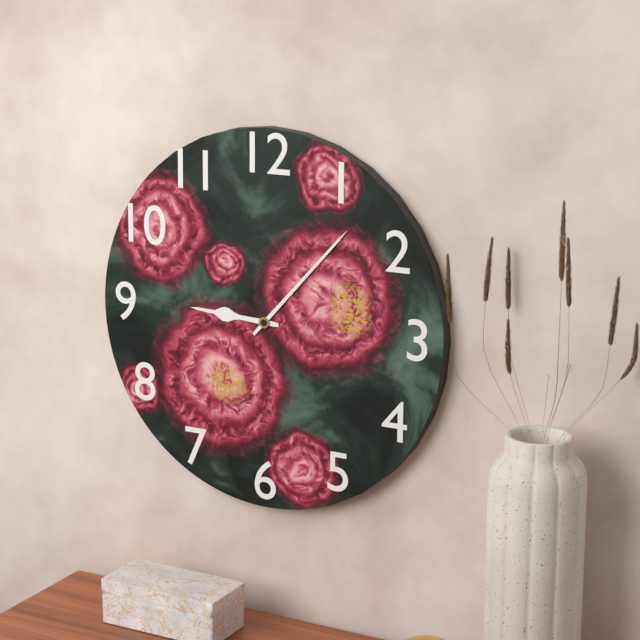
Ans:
9h07
